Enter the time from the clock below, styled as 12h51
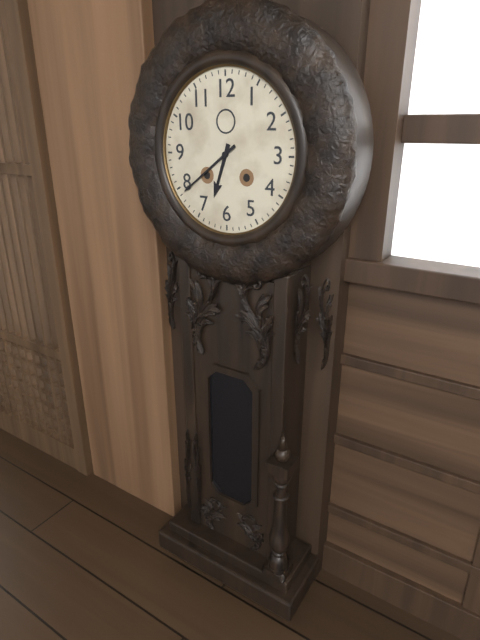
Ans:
6h39
